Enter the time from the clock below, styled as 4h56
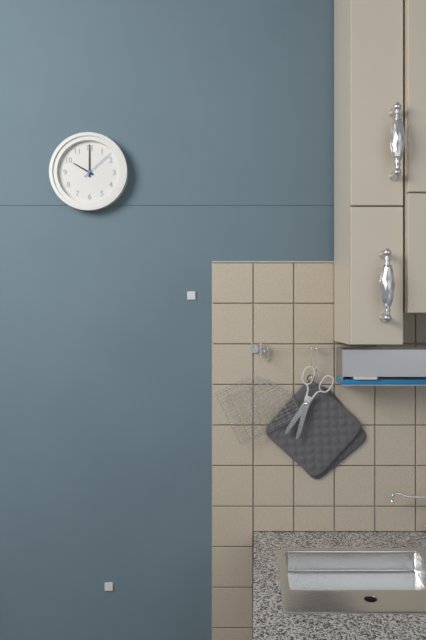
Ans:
10h00
